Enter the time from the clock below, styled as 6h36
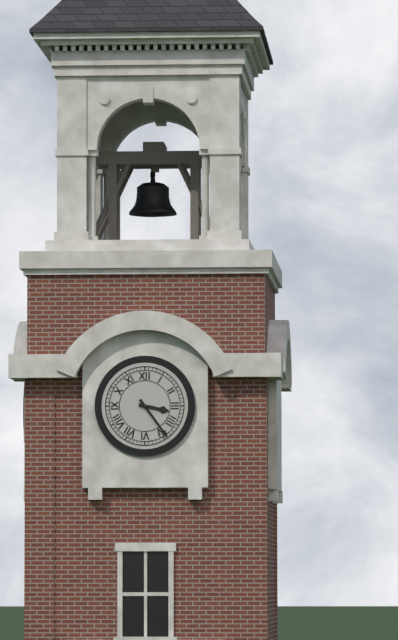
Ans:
3h24
